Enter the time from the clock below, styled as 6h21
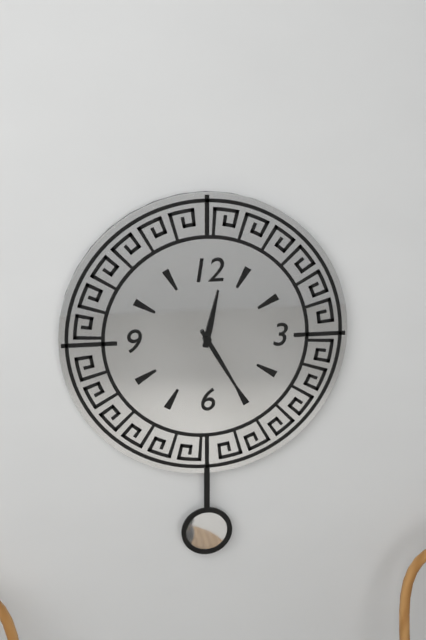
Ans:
12h25
